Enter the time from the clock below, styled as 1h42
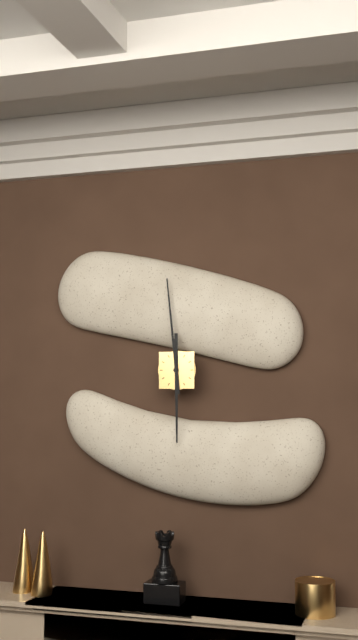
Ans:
5h59
